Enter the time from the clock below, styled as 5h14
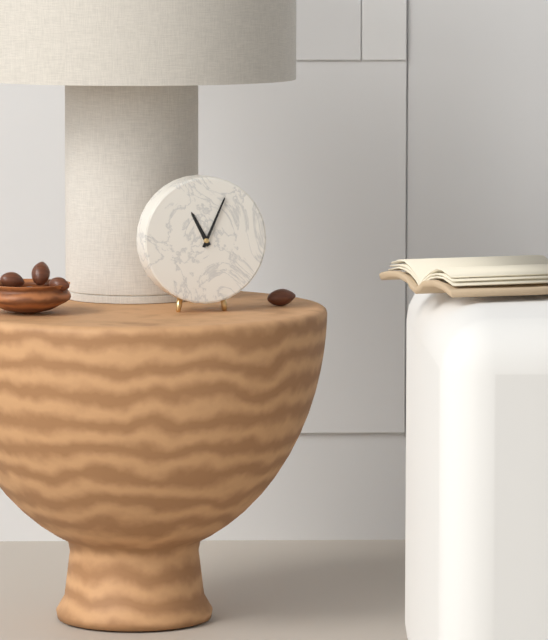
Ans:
11h04
